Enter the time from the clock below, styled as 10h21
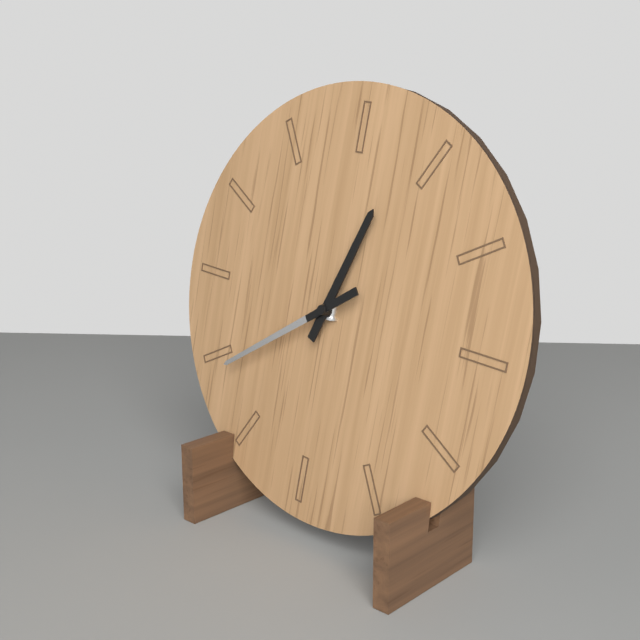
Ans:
12h39
